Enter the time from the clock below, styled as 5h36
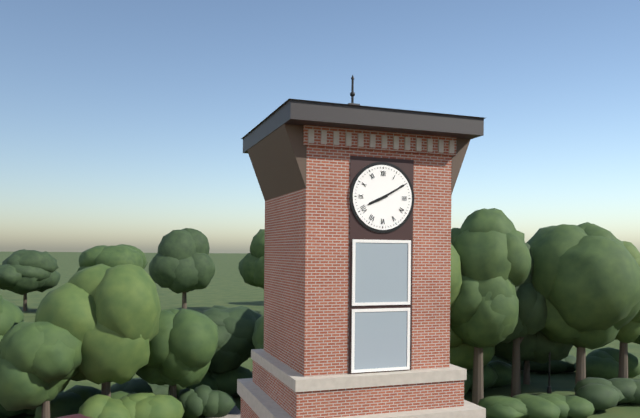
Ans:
8h10
